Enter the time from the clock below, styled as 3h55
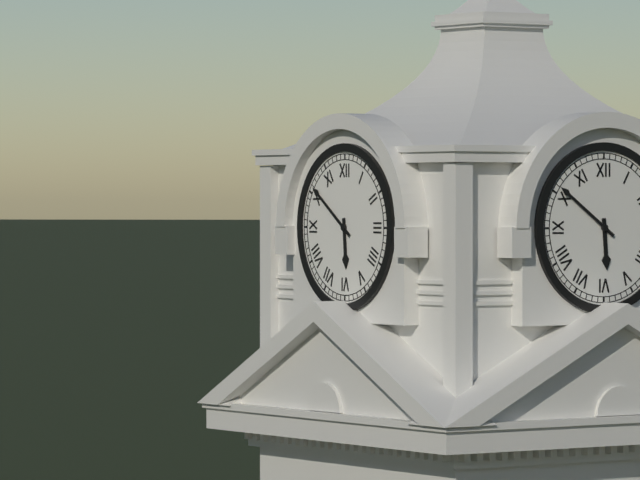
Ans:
5h51
